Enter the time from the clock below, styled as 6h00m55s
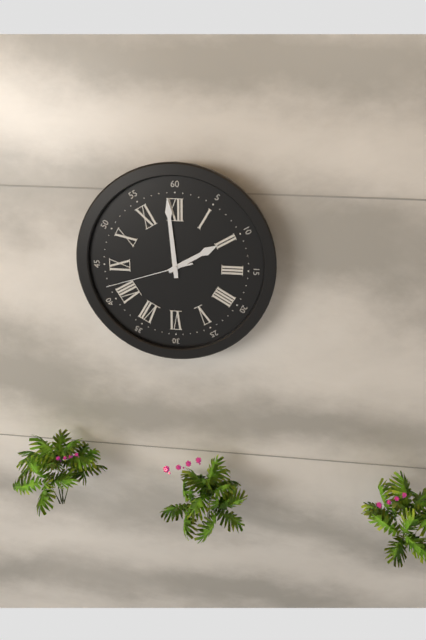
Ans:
1h59m42s
